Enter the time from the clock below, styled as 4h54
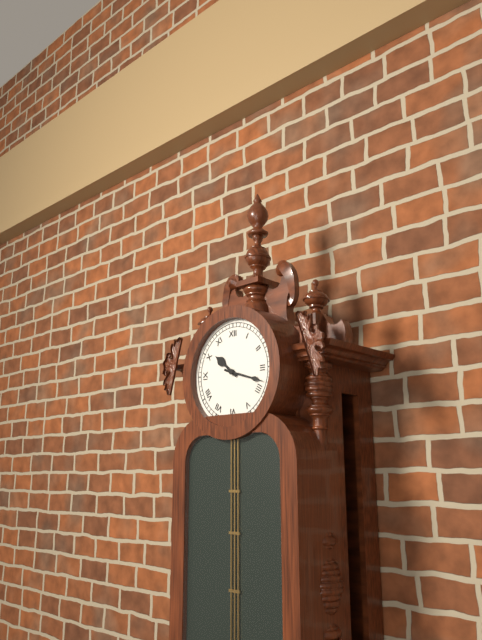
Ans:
10h18
